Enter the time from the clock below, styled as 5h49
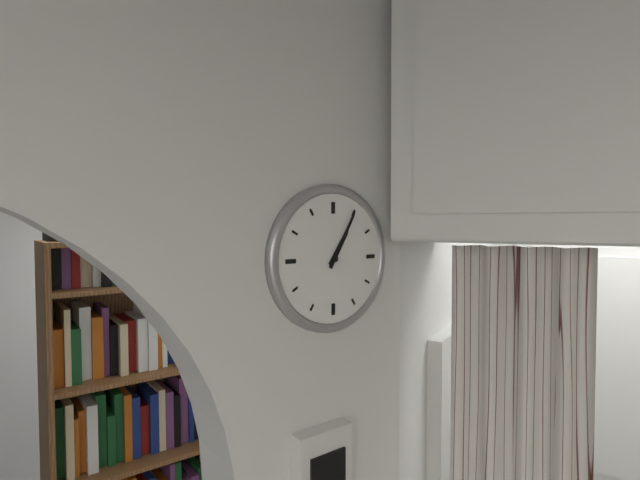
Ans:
1h05
